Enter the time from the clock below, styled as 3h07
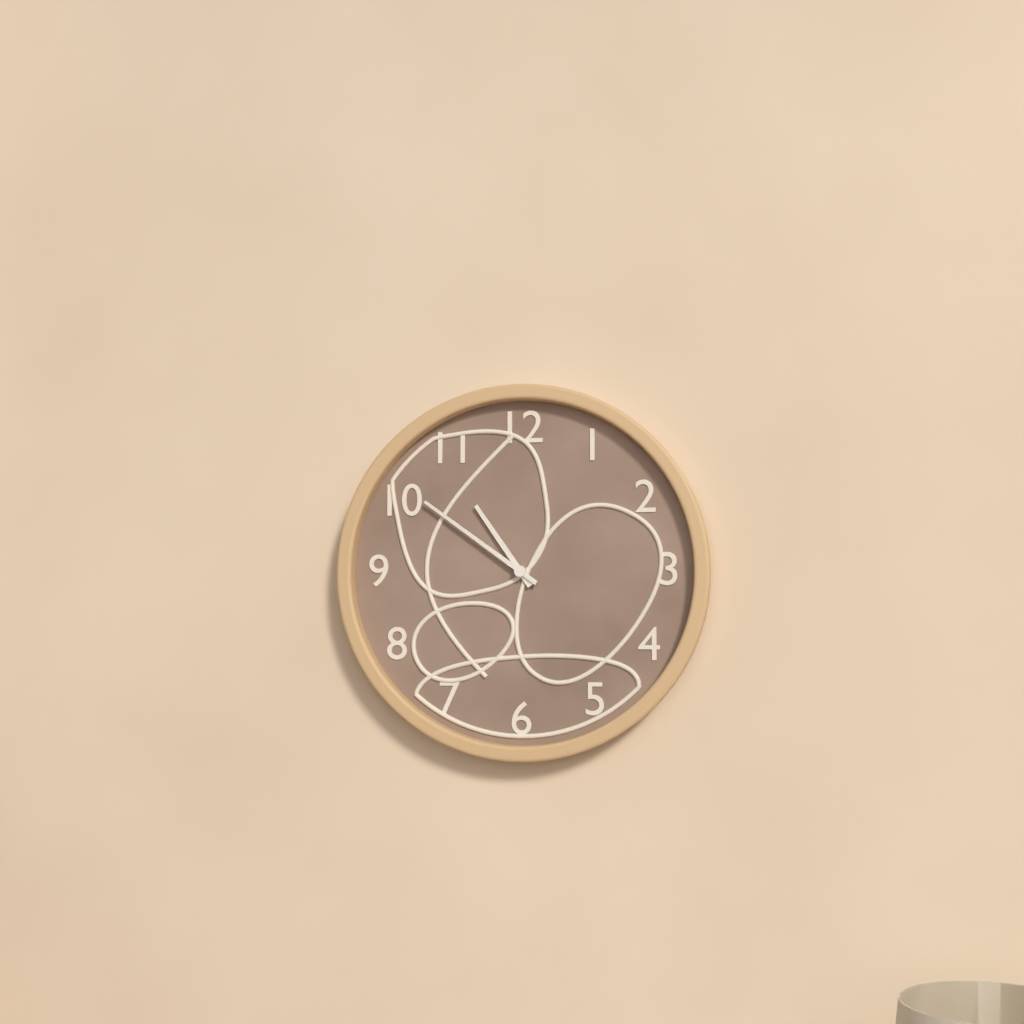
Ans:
10h51
